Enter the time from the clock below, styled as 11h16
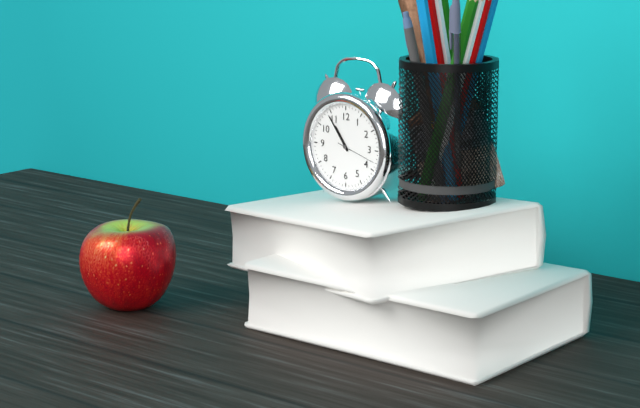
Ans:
10h54
